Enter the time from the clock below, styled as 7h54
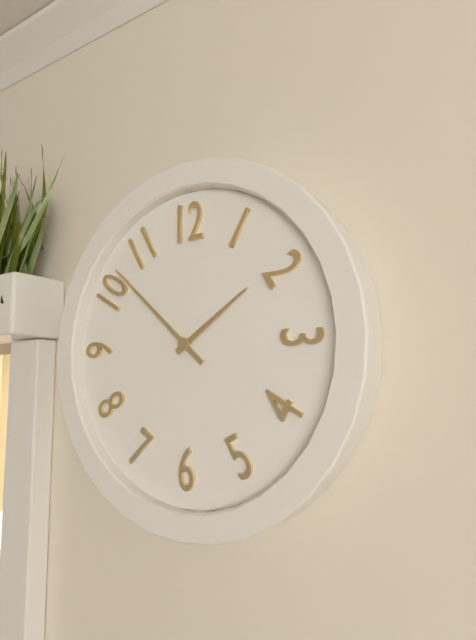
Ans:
1h52
